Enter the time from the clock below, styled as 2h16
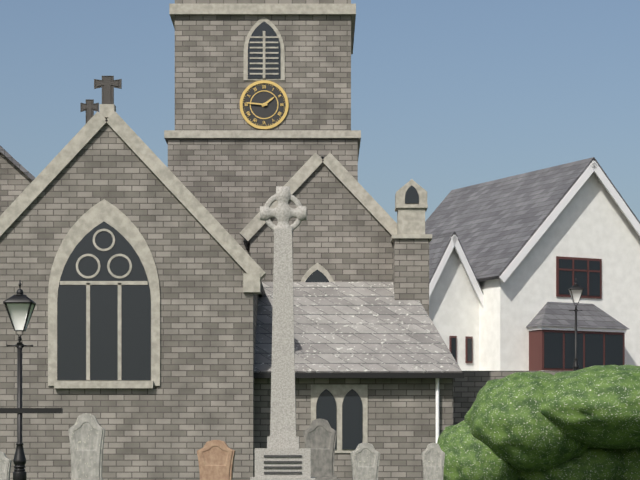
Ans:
1h46
